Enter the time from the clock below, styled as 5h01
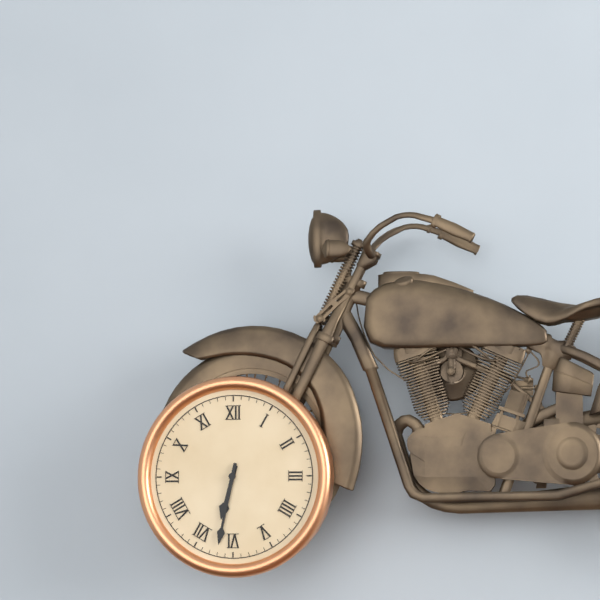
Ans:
6h32
